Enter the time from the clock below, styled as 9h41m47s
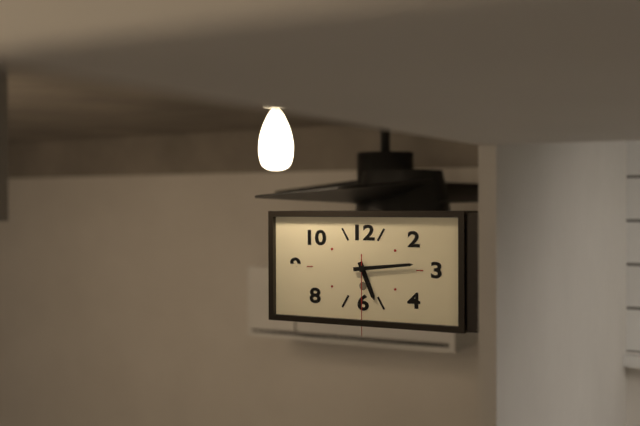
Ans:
5h14m30s
